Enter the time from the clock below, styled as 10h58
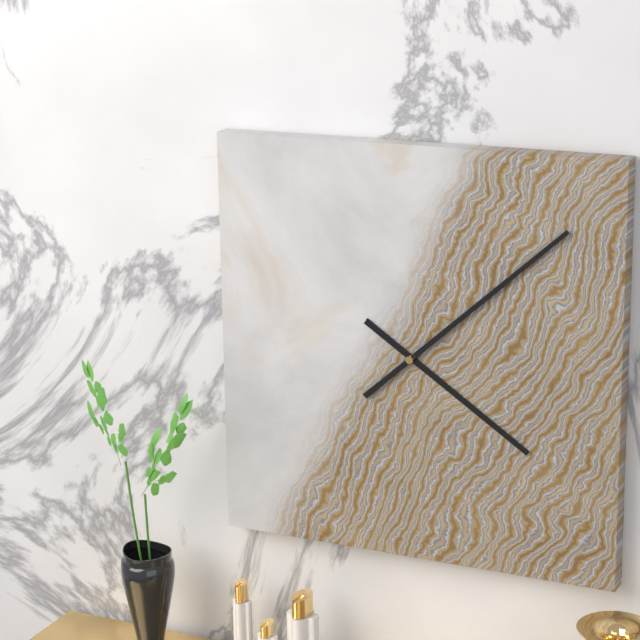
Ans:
4h08
